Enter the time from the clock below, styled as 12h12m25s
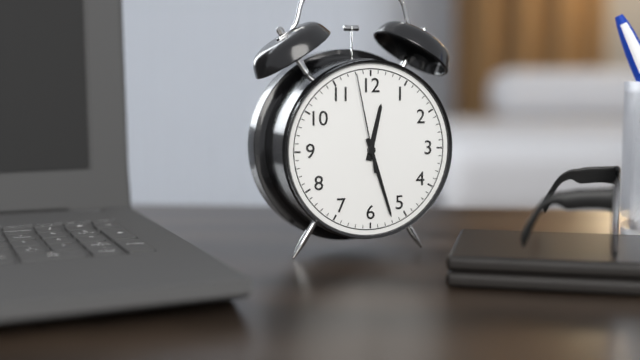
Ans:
12h27m58s
